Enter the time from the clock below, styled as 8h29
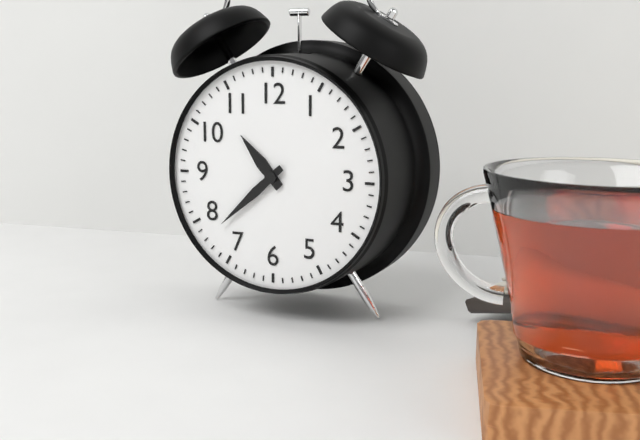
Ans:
10h38
